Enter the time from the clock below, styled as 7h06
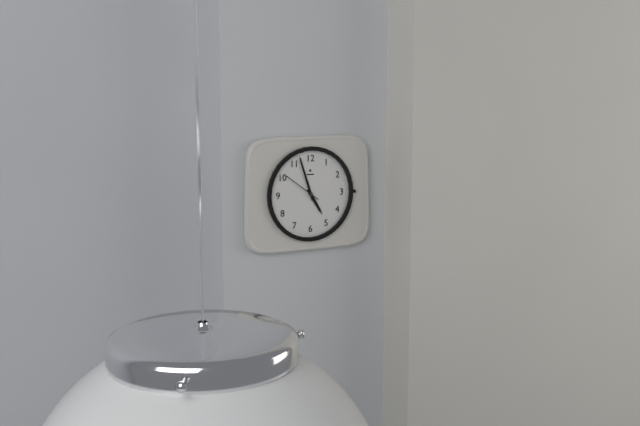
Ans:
4h57
